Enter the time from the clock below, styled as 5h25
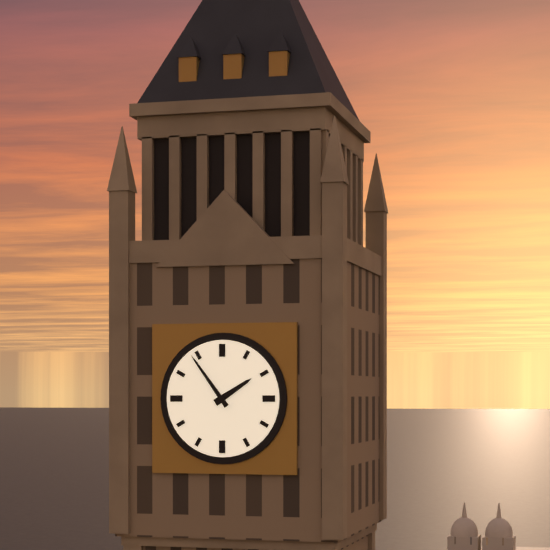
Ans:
1h54
